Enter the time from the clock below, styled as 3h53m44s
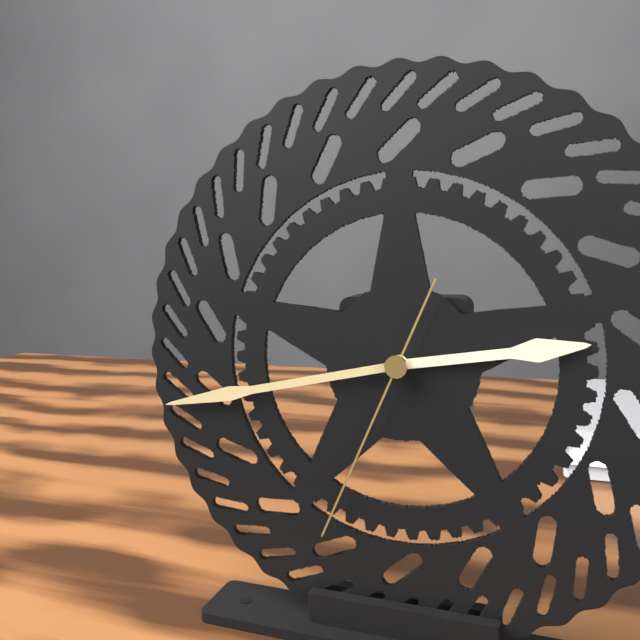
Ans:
2h43m34s
